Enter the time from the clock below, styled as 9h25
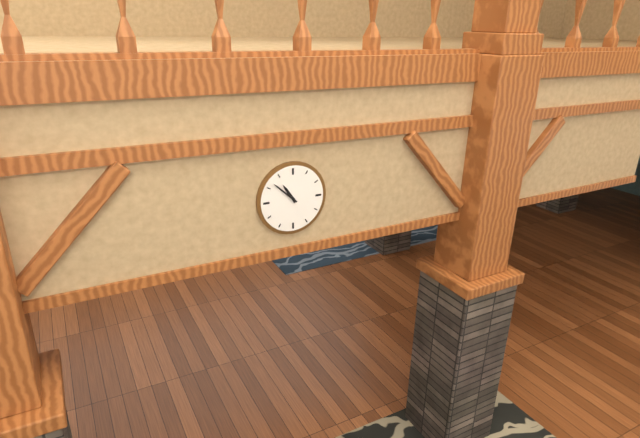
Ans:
10h52
